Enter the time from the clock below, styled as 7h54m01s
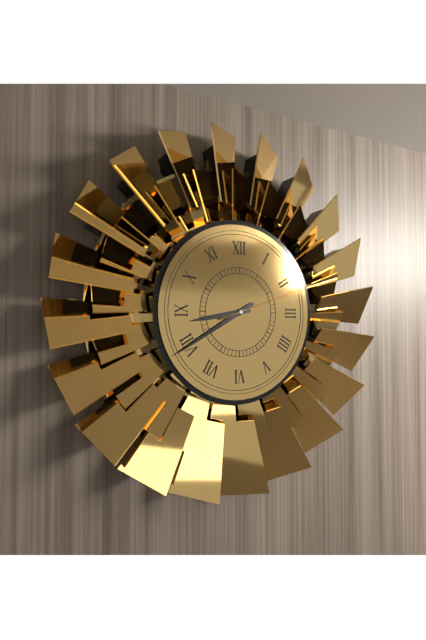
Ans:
8h40m12s
